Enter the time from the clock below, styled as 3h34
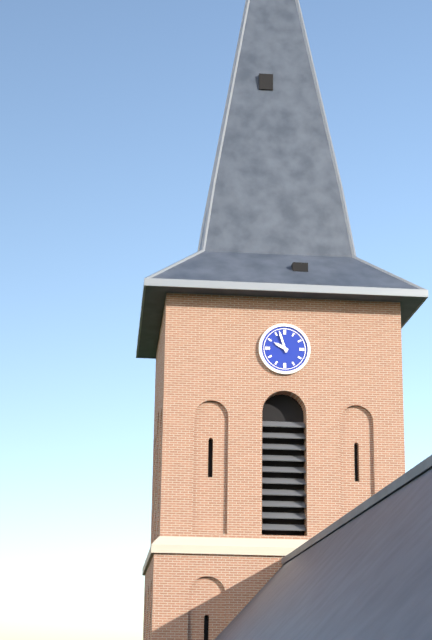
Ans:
9h57
